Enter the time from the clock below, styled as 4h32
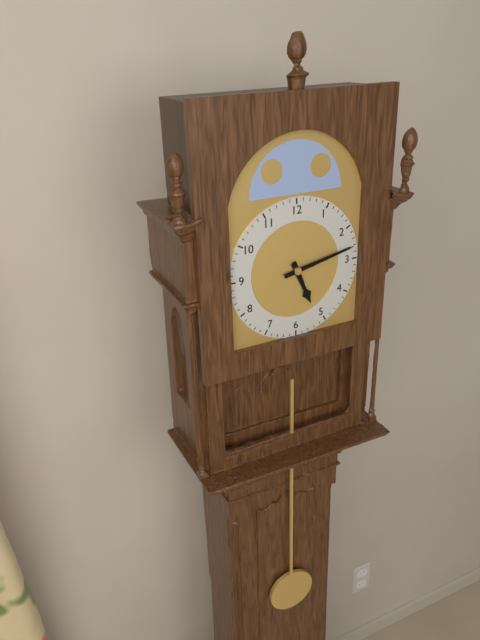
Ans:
5h13
